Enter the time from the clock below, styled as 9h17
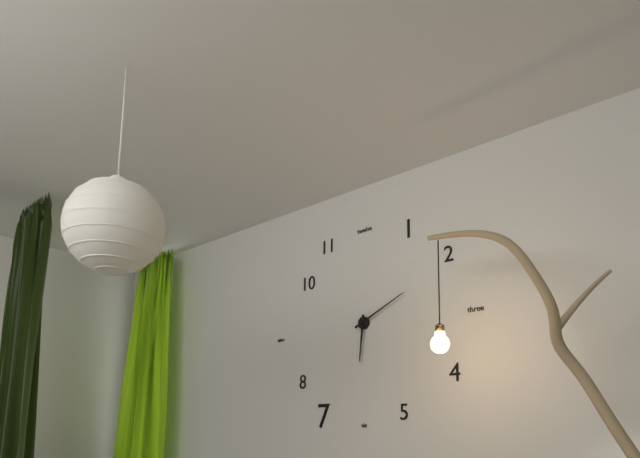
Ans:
6h11
